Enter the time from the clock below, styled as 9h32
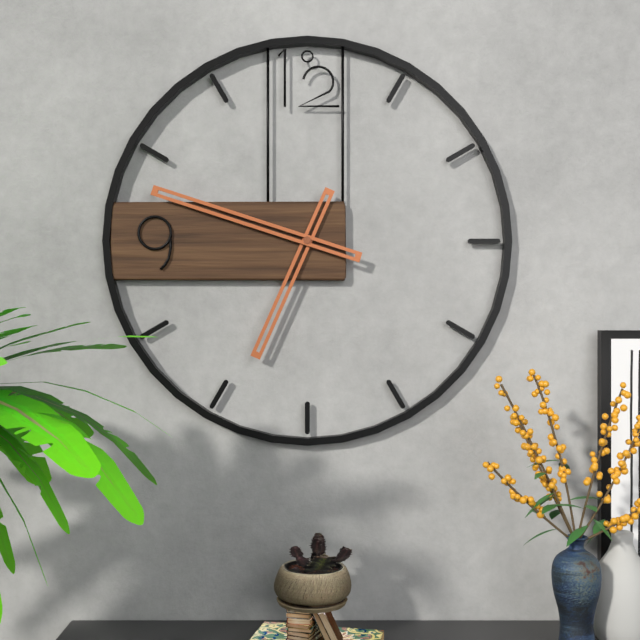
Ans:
6h48
